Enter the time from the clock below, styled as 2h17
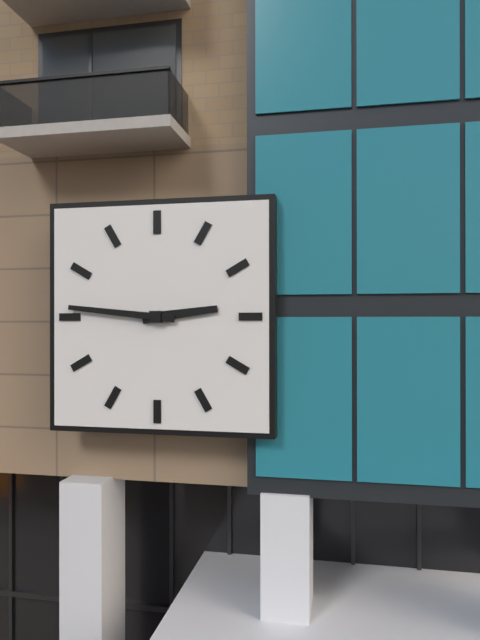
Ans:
2h46
